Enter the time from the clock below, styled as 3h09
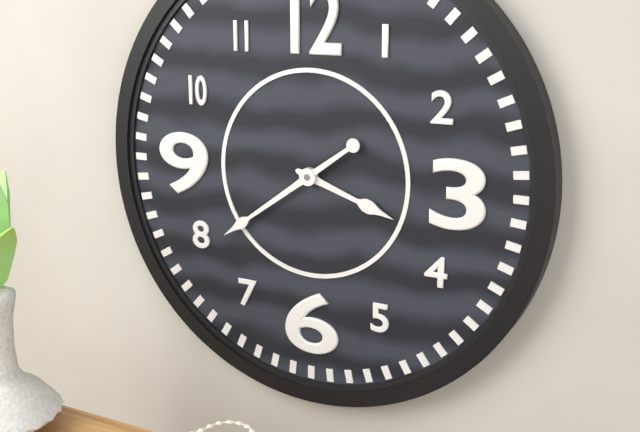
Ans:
3h39
